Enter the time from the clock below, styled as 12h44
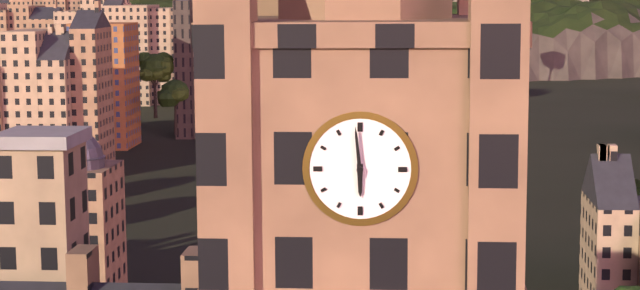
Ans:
5h59
